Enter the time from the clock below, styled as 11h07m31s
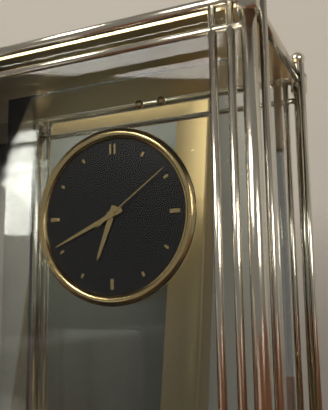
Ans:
6h41m09s
